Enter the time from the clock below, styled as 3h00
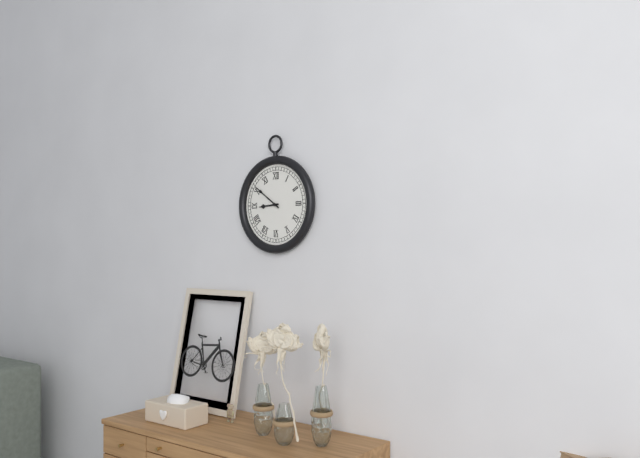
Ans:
8h51
